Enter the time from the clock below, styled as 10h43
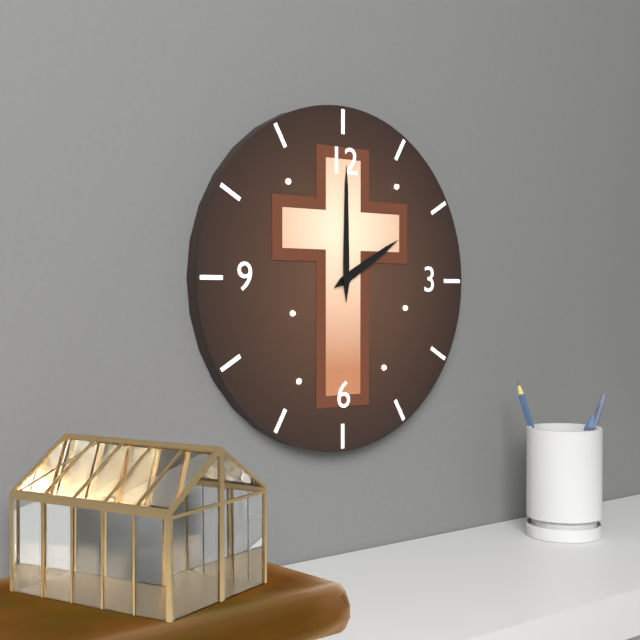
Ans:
2h00
